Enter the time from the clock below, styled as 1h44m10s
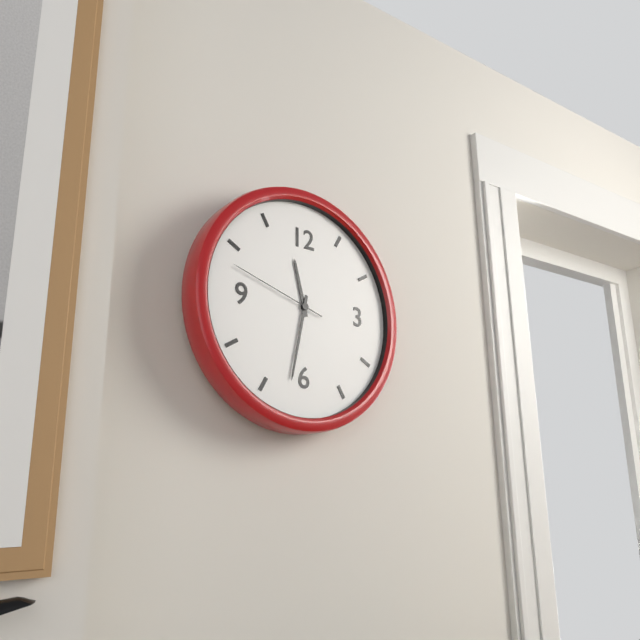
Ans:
11h32m48s
